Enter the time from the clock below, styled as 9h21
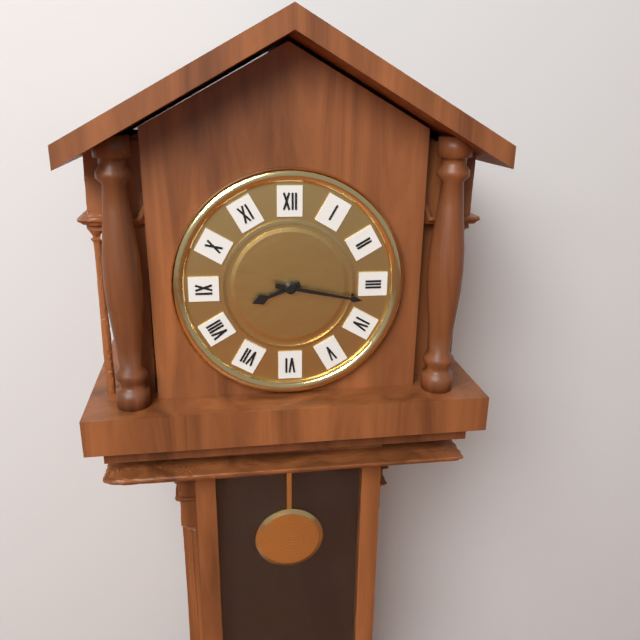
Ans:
8h17
